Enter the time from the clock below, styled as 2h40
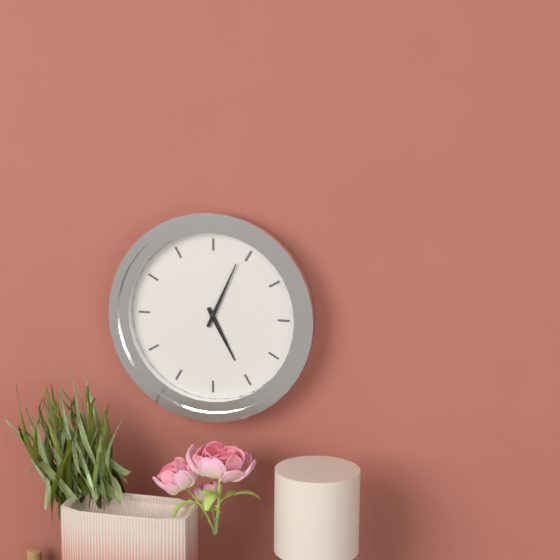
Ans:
5h04
